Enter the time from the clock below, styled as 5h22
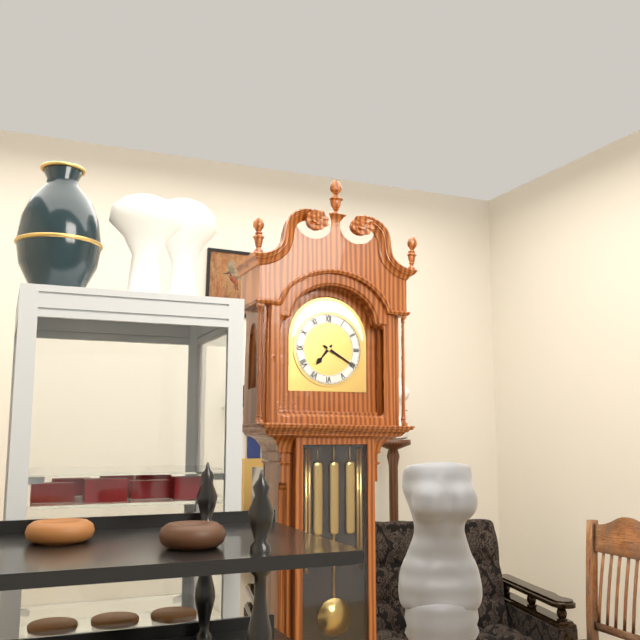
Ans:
7h20
